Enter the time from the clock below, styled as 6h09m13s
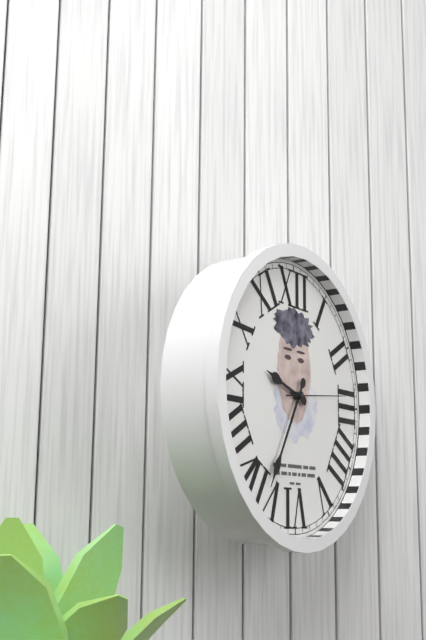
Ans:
9h35m14s
